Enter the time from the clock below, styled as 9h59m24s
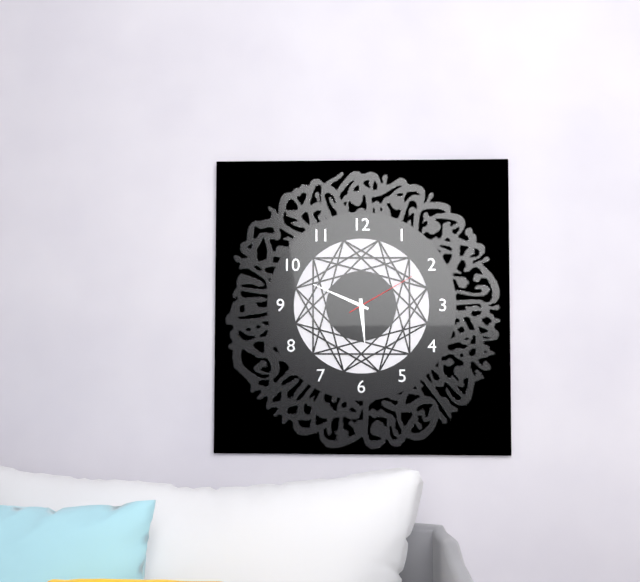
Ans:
5h49m10s
